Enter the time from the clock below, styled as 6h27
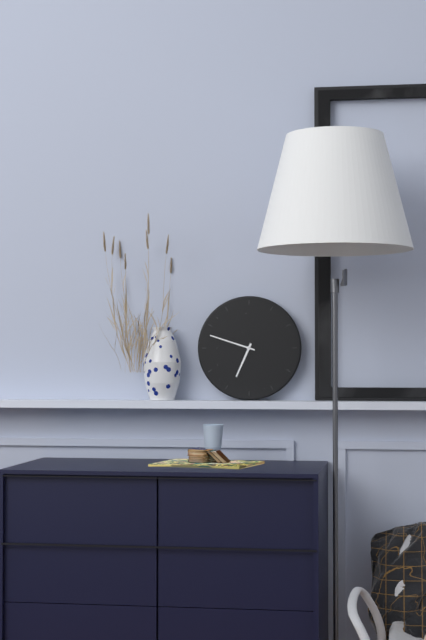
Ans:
6h48
